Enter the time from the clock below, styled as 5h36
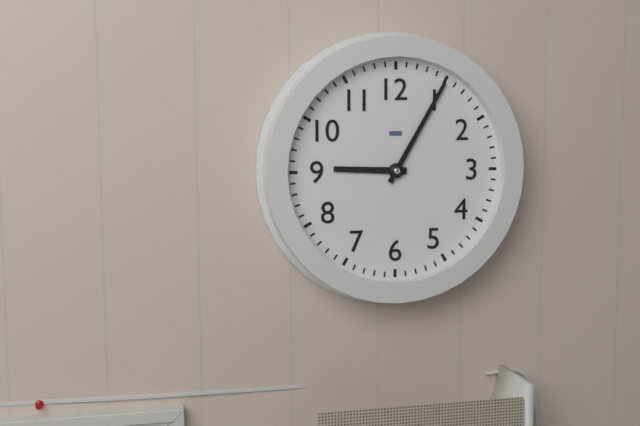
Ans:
9h05
